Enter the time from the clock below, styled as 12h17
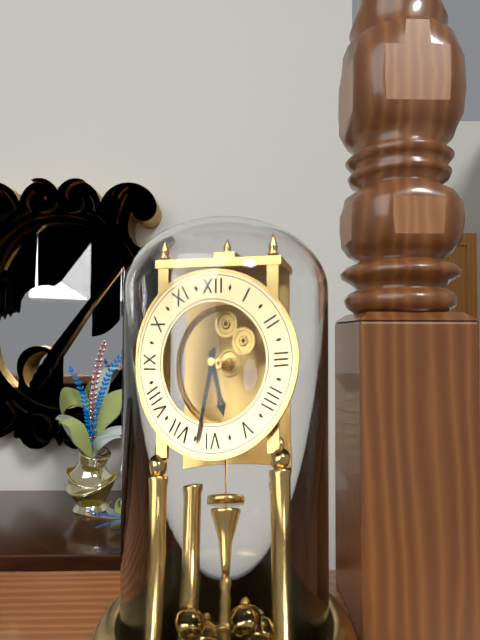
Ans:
5h32
